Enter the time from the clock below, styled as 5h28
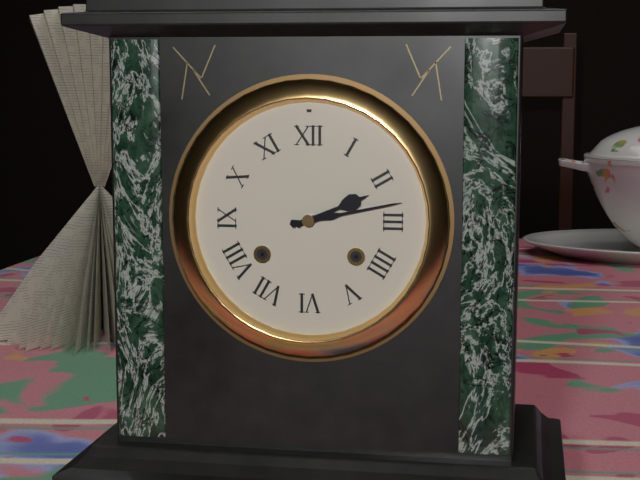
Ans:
2h13
